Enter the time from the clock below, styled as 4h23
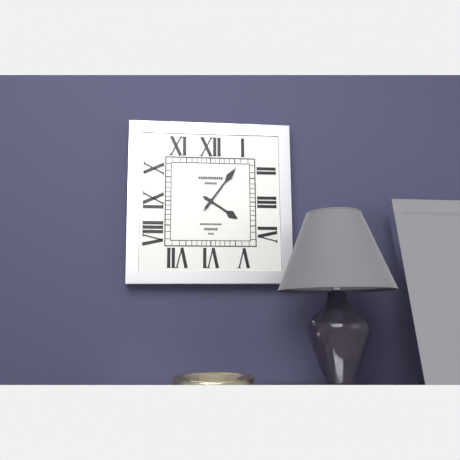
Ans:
4h06
